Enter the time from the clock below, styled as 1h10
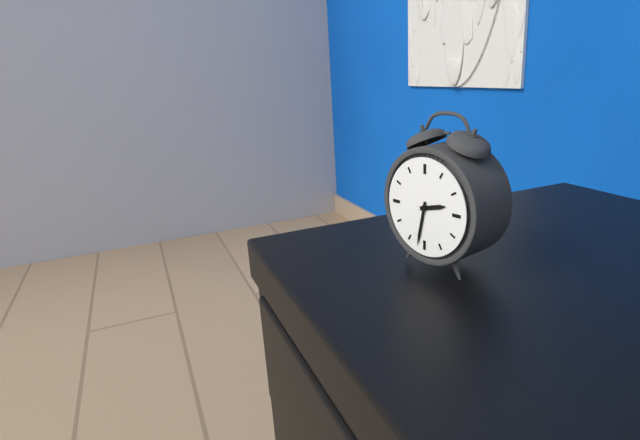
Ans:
2h32
